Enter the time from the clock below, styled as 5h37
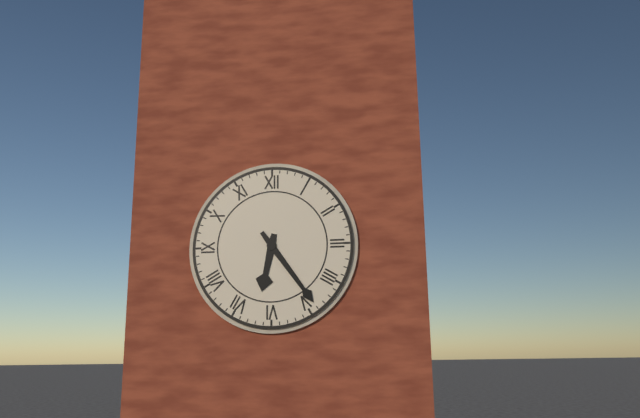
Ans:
6h24
